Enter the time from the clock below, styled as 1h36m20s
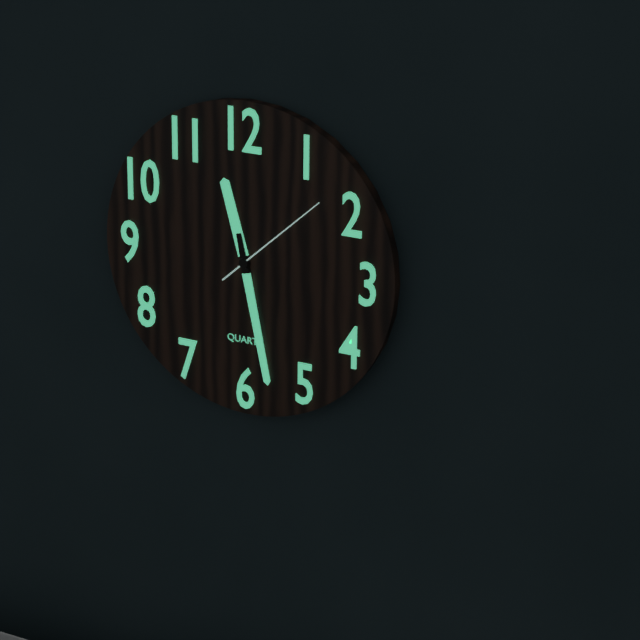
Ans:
11h28m08s
